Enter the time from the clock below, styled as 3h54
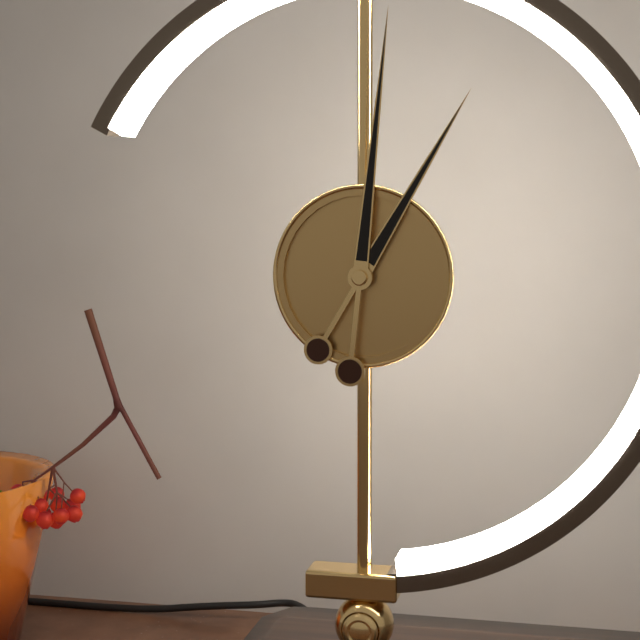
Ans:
1h01
